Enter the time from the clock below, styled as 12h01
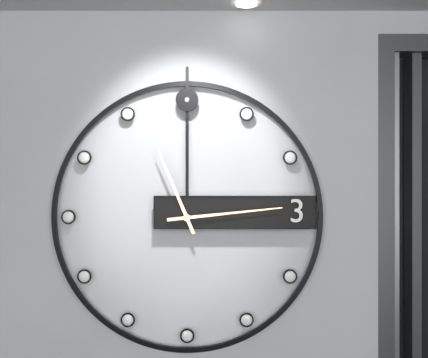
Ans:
11h14
